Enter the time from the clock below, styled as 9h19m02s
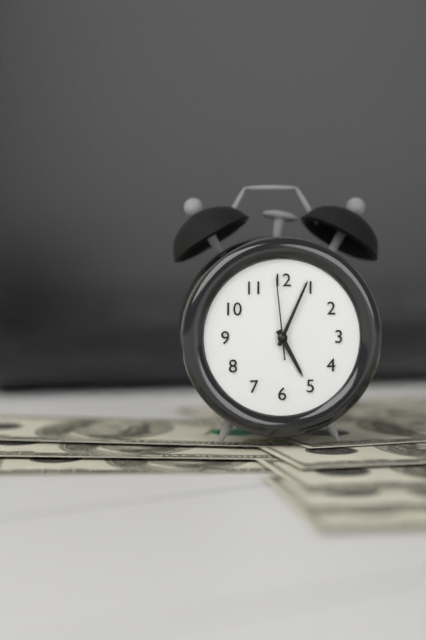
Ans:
5h04m59s
